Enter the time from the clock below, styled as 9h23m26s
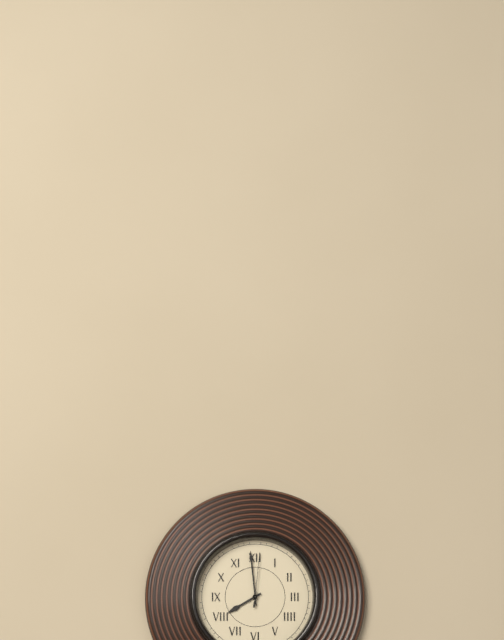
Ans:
7h59m01s
